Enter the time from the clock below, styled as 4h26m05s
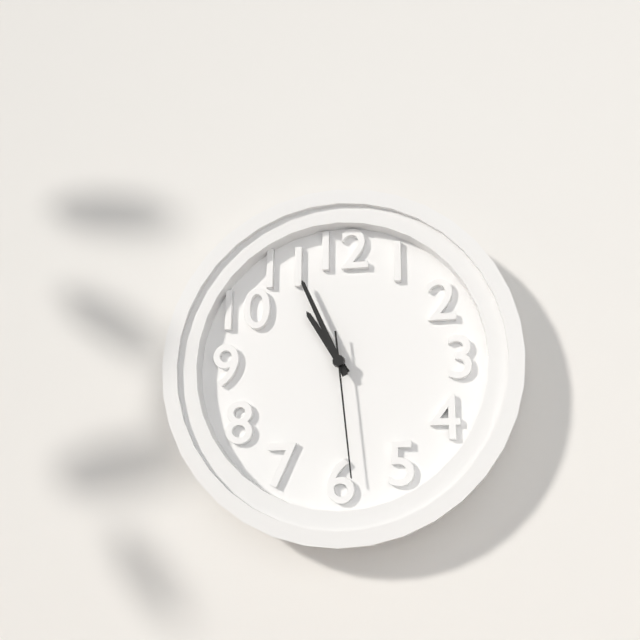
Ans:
10h56m29s
